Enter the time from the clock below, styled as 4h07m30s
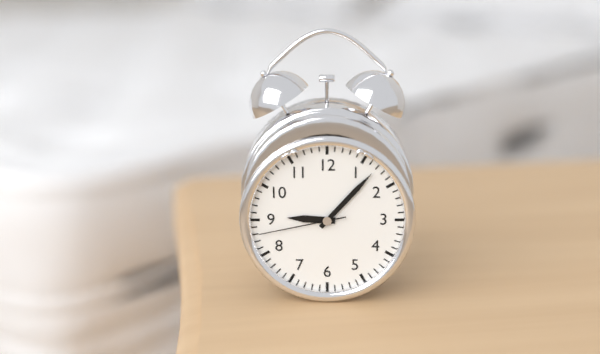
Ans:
9h07m43s
